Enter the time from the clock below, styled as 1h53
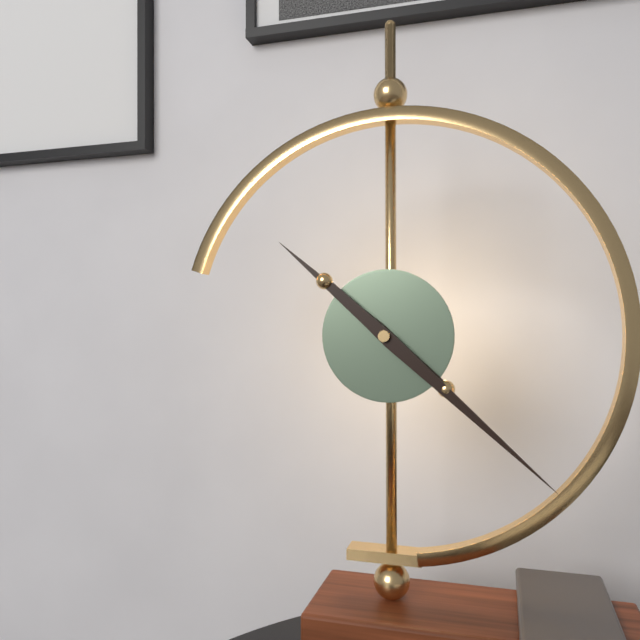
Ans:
10h22
